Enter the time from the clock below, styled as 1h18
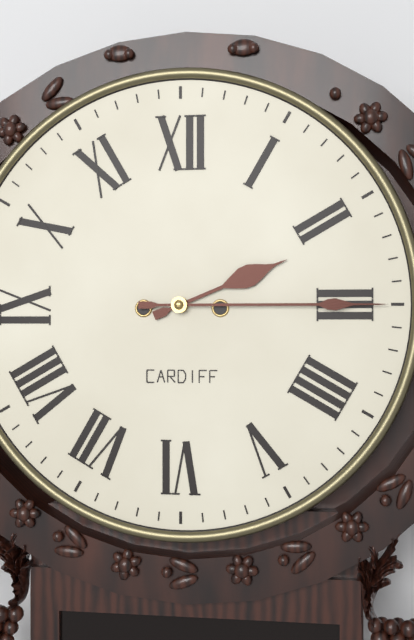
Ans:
2h15
